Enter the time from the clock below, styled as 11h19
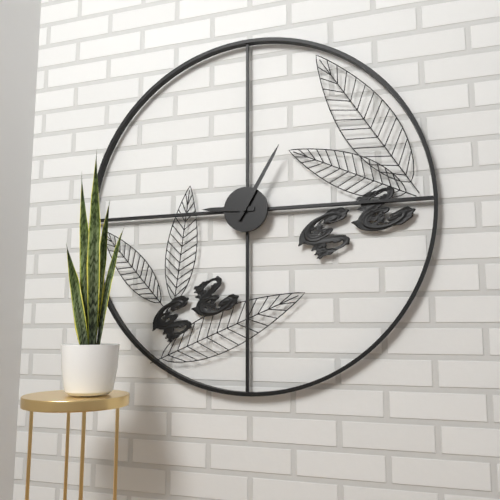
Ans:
9h05
